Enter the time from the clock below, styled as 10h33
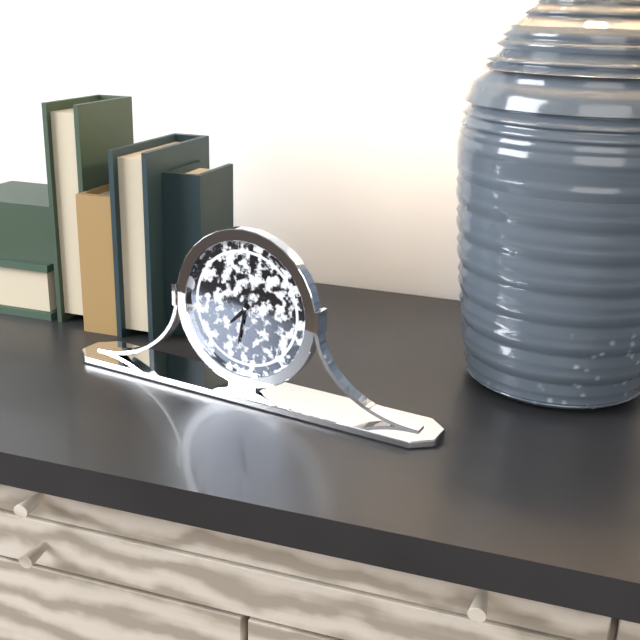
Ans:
7h32
